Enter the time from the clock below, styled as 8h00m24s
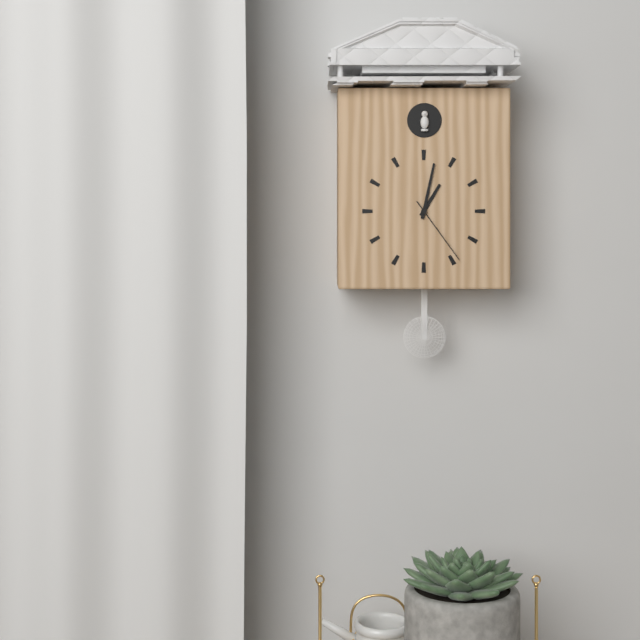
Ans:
1h02m24s
